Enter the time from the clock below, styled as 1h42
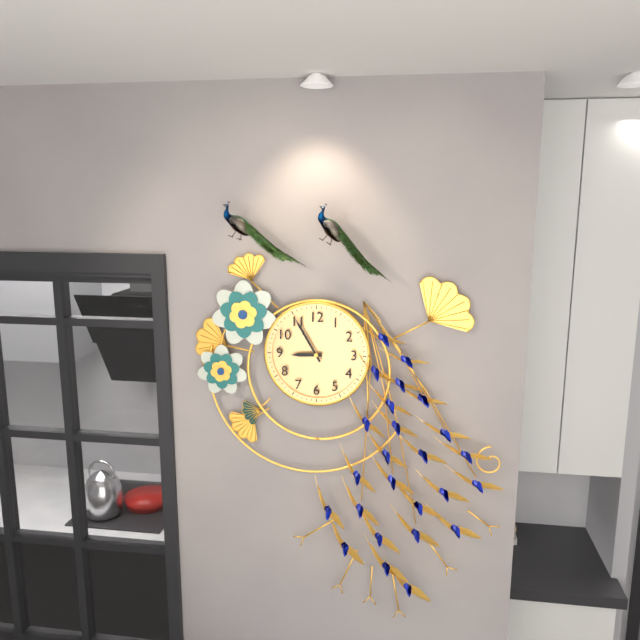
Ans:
8h55
